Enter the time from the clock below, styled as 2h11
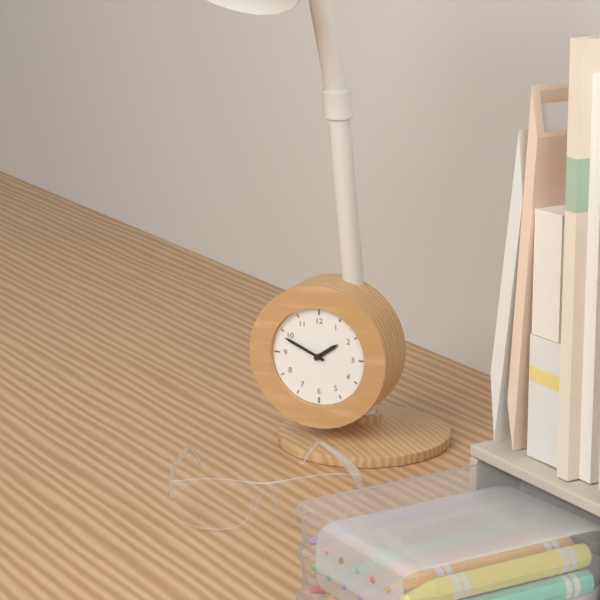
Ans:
1h49
